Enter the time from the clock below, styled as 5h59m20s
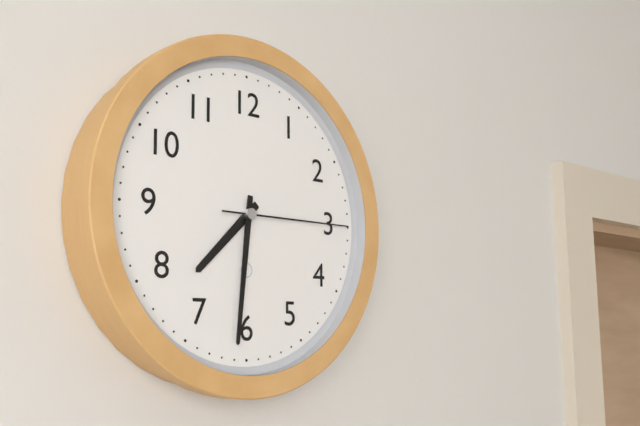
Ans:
7h31m15s
